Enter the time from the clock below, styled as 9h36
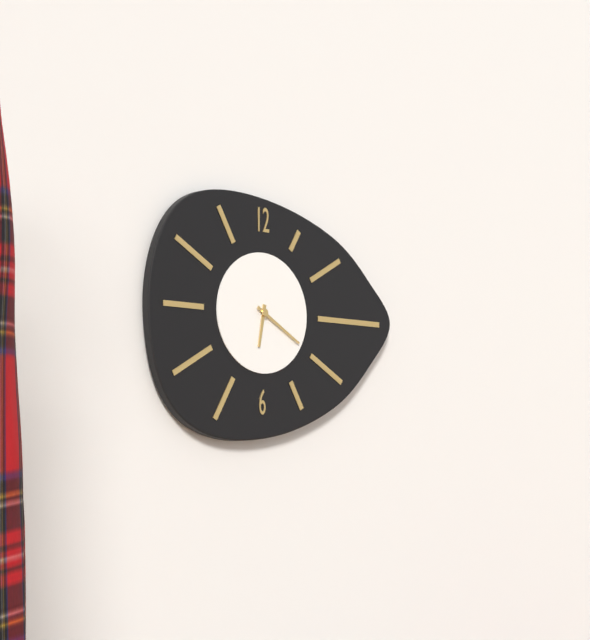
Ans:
6h20
